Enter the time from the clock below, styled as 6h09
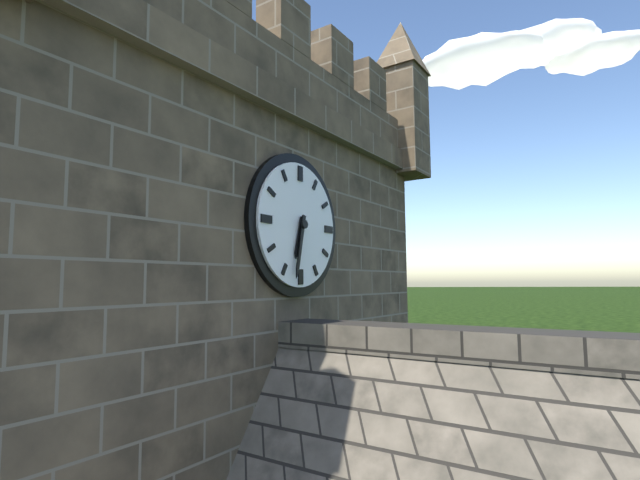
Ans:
6h32
